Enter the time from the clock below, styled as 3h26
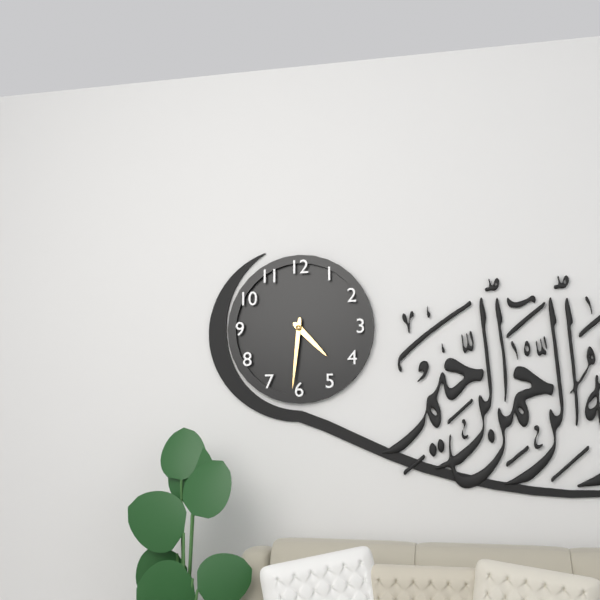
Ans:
4h31
